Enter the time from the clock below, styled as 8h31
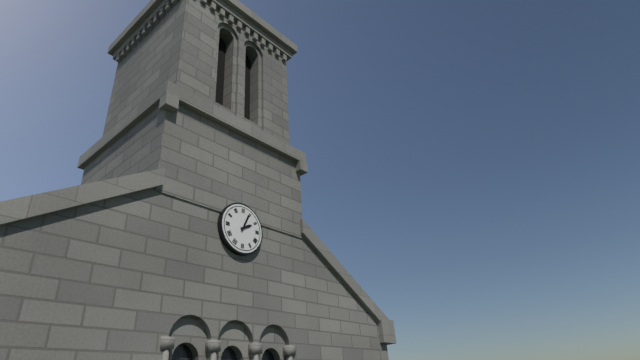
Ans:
2h04
